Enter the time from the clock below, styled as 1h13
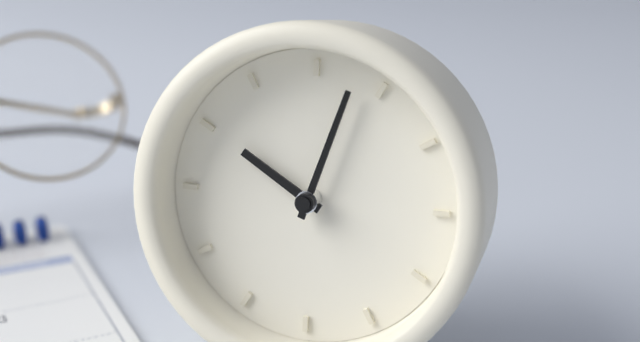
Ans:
10h03
